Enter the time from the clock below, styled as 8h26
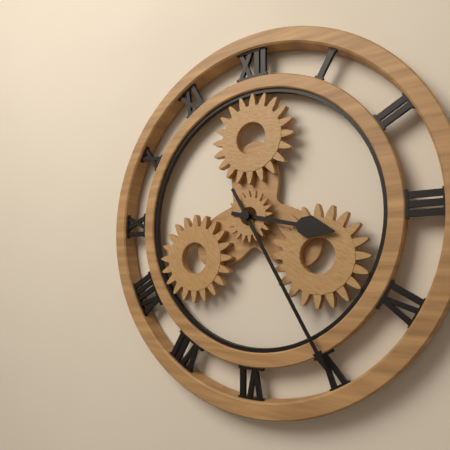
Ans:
3h25
